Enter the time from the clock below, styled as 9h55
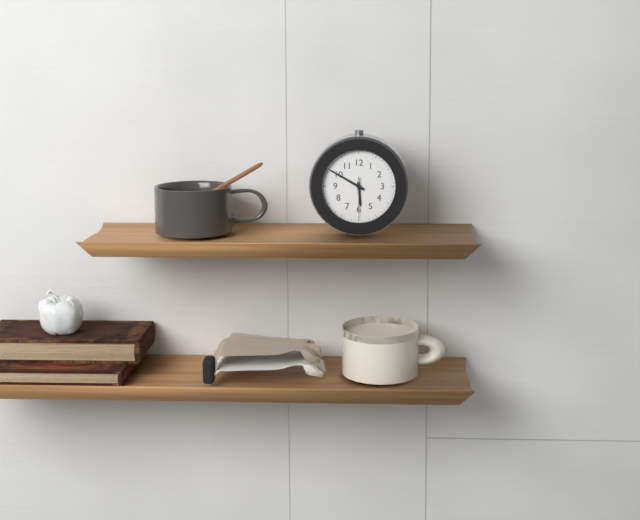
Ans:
5h50
